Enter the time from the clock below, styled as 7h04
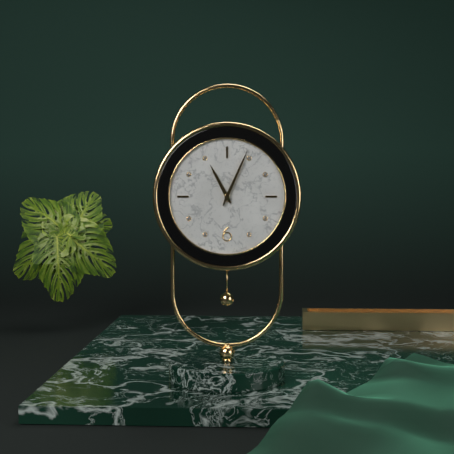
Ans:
11h04
